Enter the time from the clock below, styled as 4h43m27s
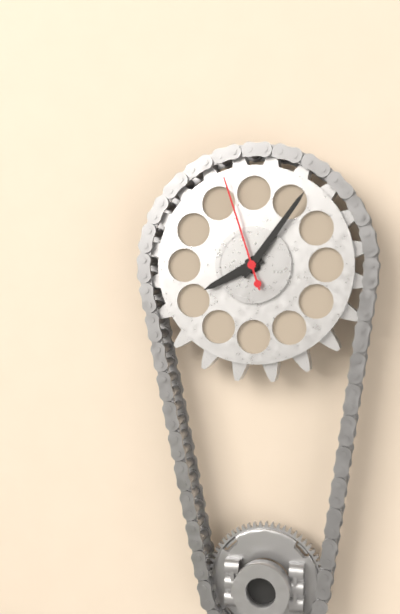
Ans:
8h06m57s
